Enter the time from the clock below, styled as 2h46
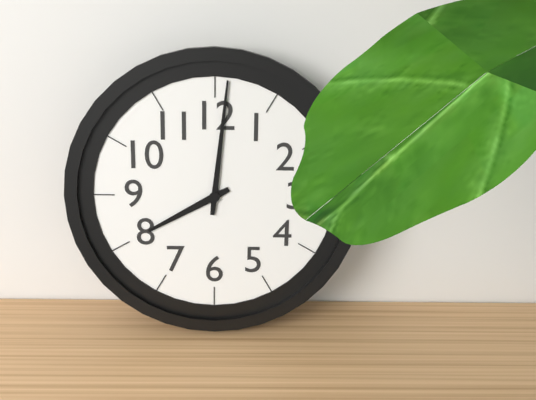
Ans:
8h01
